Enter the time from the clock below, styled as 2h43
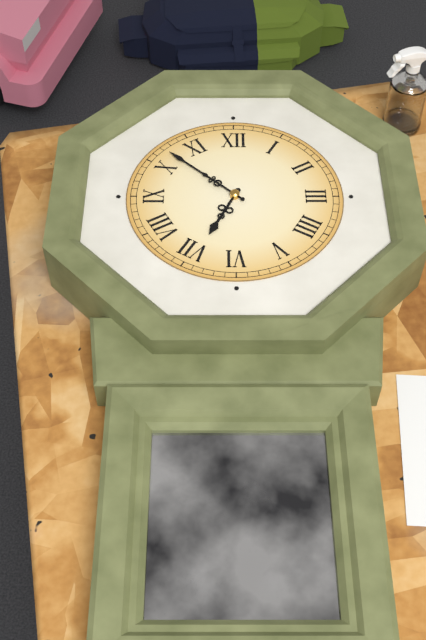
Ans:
6h52
